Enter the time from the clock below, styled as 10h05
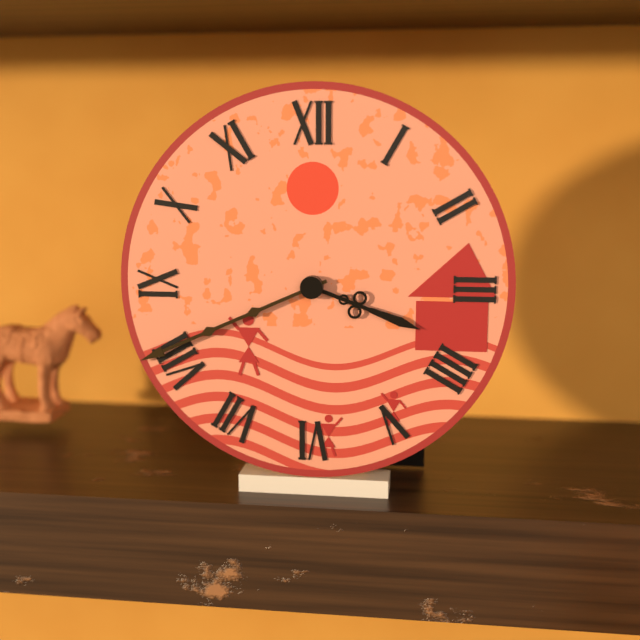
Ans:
3h41
